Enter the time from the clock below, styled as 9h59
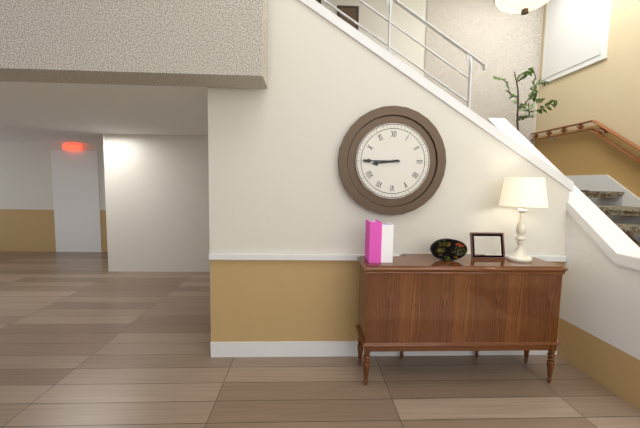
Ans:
8h45
